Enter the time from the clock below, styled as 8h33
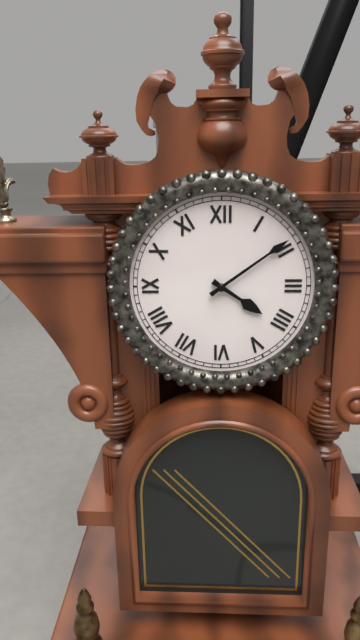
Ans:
4h09
